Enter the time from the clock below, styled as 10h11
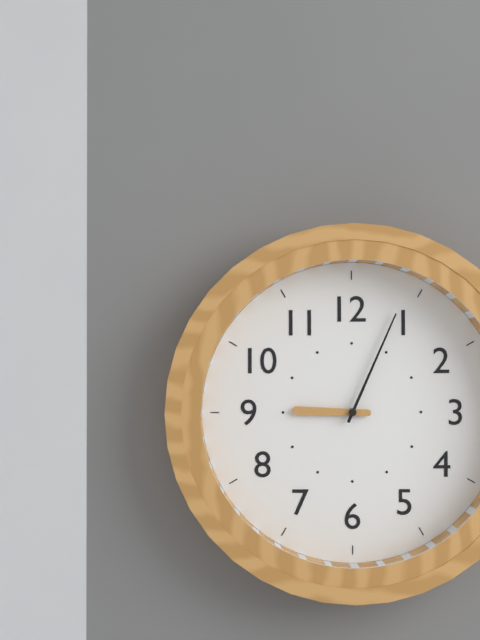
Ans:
9h04
